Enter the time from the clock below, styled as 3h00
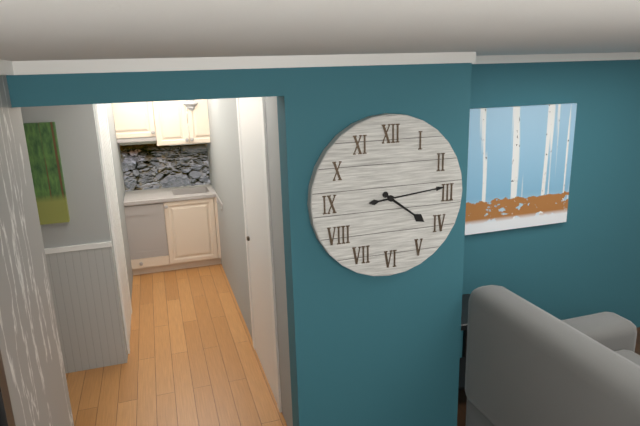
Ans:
4h14
